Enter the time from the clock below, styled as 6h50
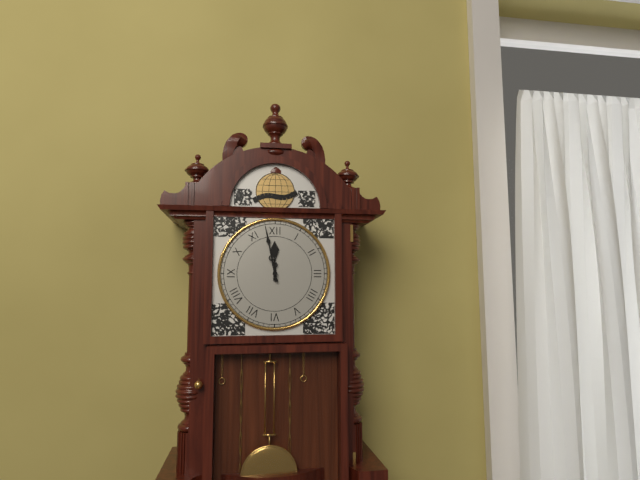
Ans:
11h58
